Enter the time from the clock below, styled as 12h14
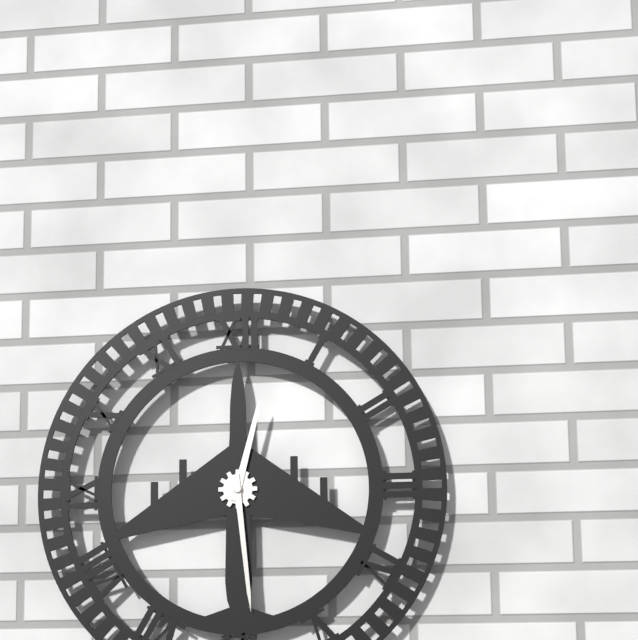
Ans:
12h29
